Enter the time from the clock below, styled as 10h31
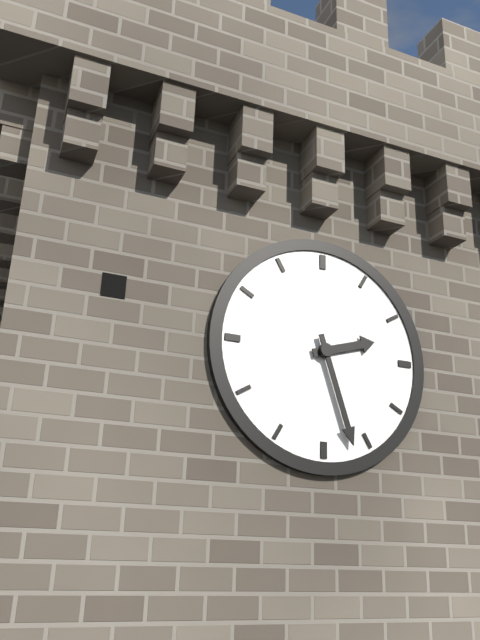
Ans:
2h27
